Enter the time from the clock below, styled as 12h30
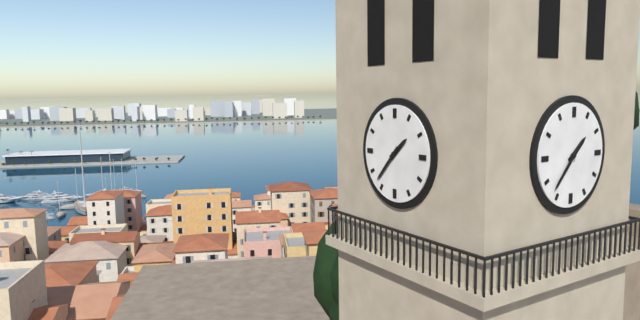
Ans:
1h37
